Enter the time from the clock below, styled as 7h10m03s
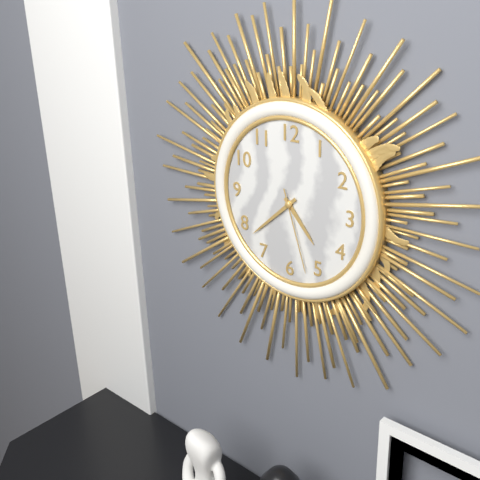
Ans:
4h38m27s
